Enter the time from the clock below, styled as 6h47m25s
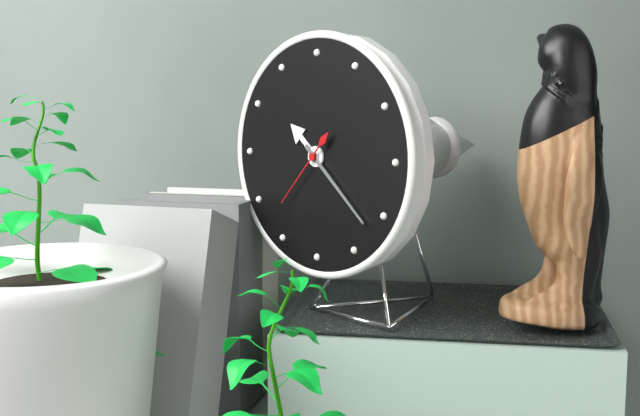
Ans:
10h22m37s
